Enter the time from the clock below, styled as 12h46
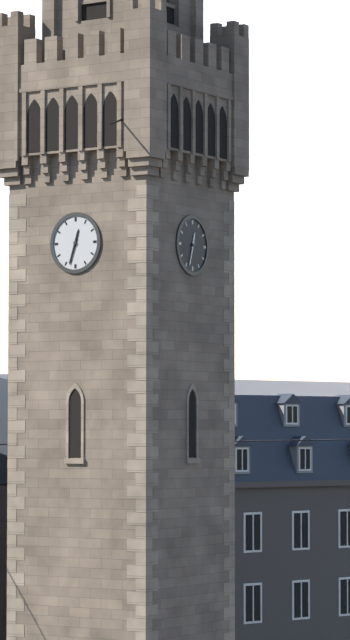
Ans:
12h33
